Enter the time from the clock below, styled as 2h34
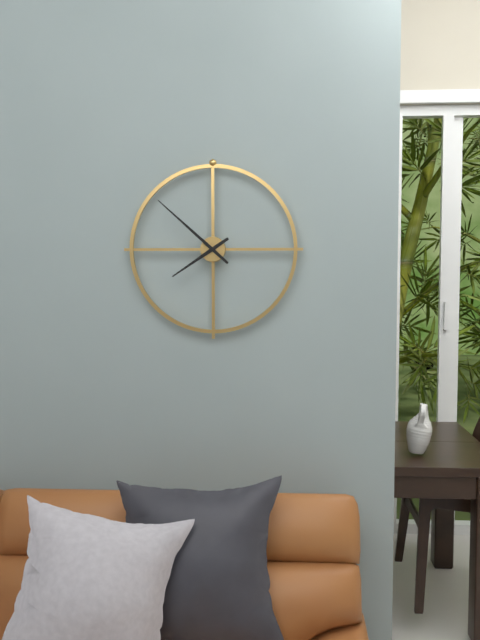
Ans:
7h52
